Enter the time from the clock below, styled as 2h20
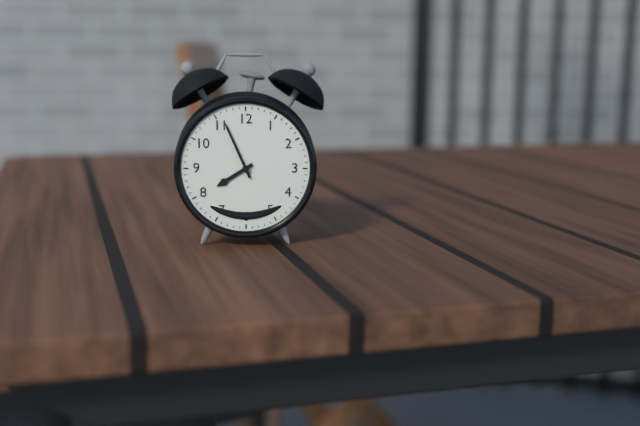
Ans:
7h56
